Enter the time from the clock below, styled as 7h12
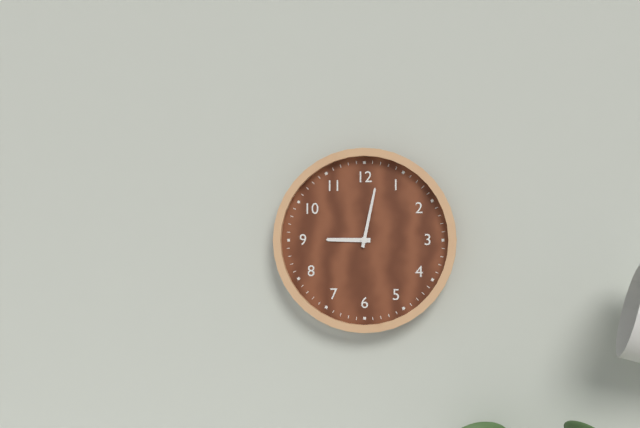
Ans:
9h02
